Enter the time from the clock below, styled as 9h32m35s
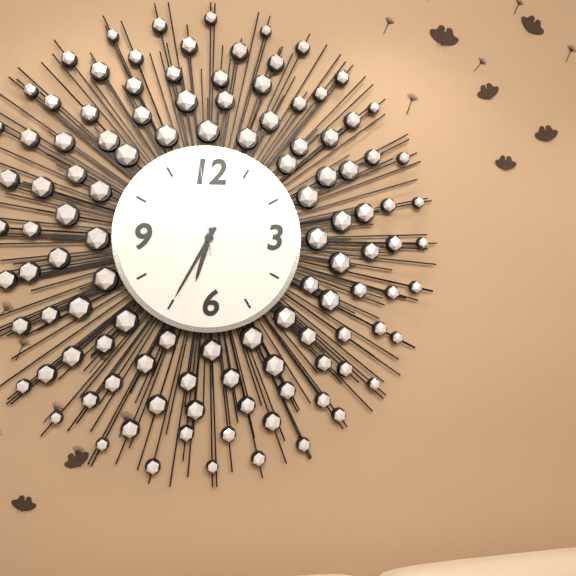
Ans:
6h35m59s
